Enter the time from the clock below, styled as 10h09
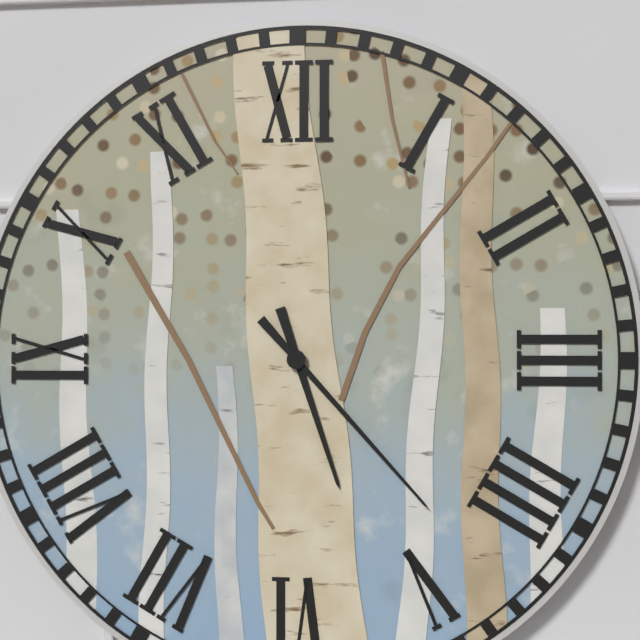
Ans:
5h23
